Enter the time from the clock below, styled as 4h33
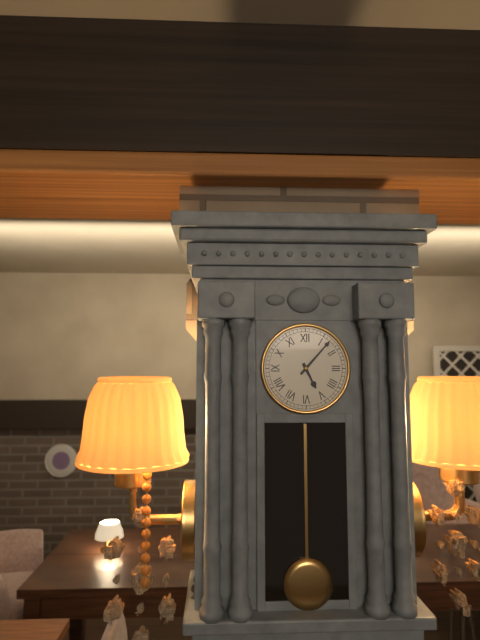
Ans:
5h07
